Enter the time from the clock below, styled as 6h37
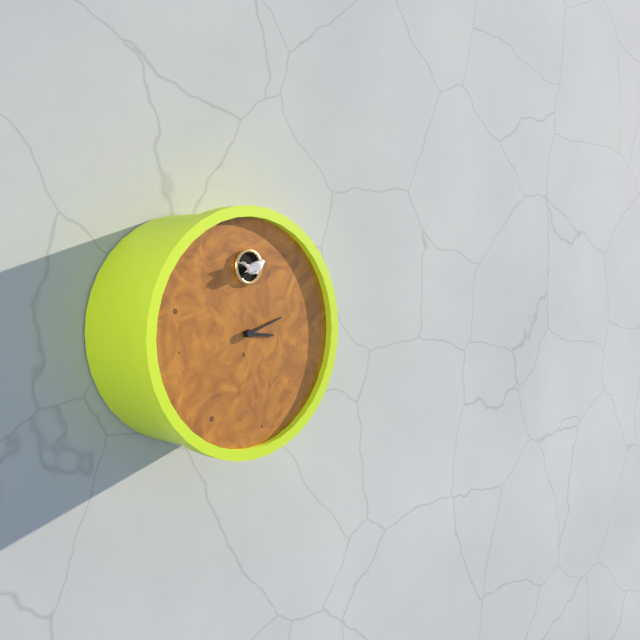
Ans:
3h12
